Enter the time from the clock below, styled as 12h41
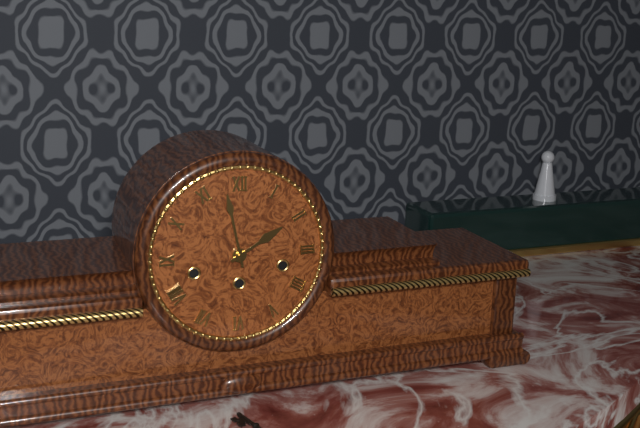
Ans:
1h58
